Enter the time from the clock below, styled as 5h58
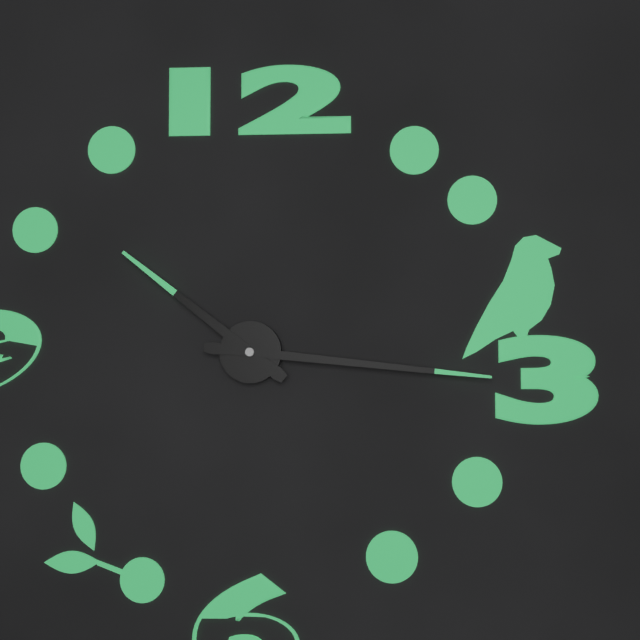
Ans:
10h16
